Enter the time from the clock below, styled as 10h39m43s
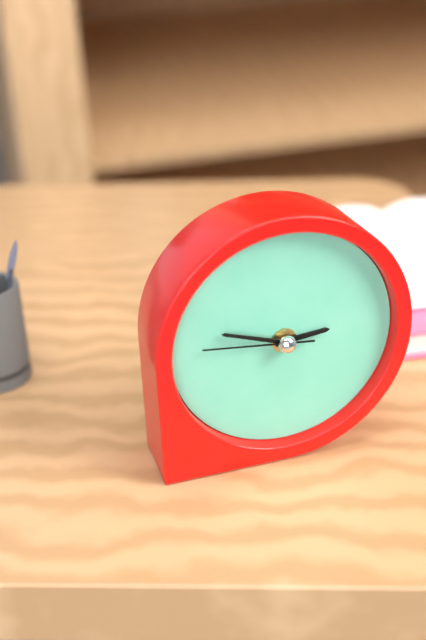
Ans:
2h48m46s
